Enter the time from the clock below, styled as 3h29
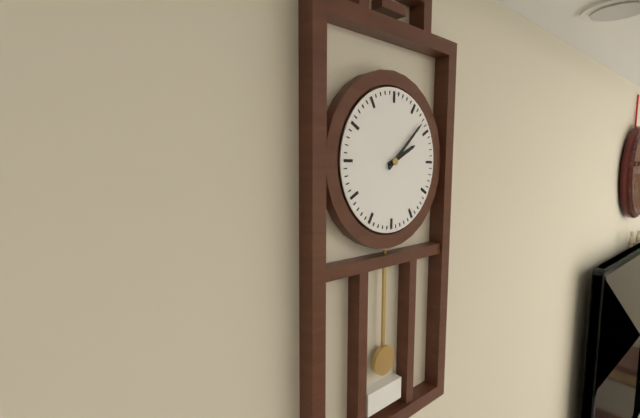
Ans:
2h08
